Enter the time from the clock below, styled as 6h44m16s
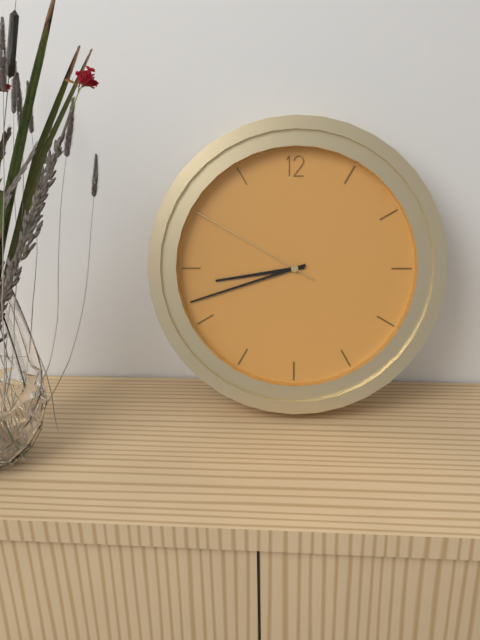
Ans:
8h42m50s
